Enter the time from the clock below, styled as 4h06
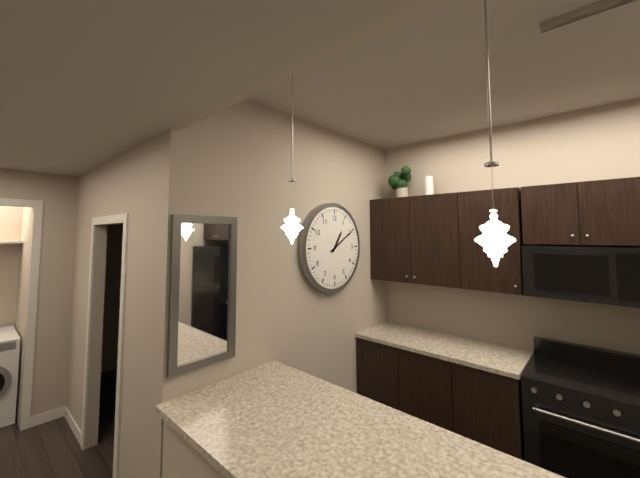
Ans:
1h10
